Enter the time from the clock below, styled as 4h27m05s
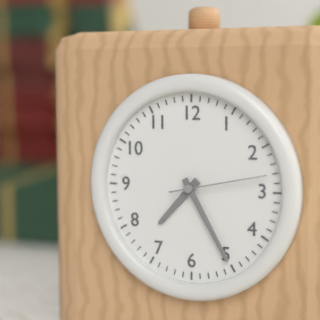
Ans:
7h25m13s
